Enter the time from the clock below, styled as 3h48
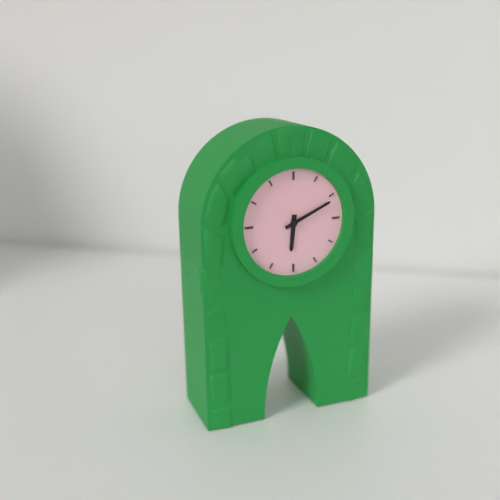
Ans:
6h11
